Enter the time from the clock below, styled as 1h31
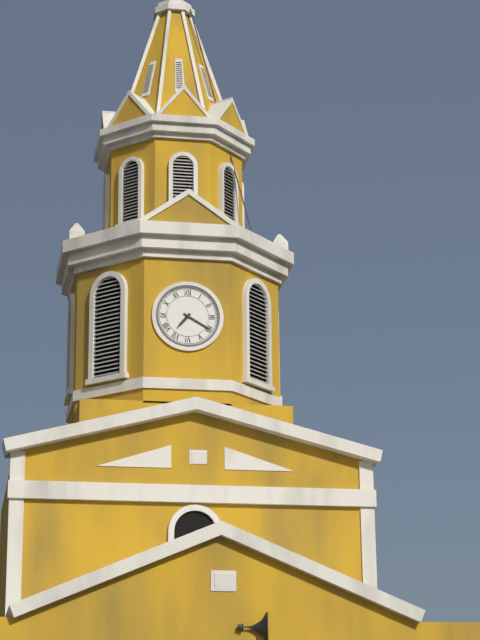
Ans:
7h20
